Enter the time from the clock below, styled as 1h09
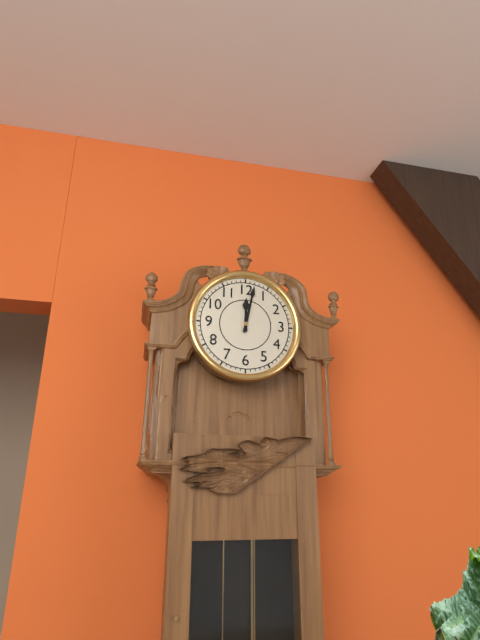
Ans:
12h02
